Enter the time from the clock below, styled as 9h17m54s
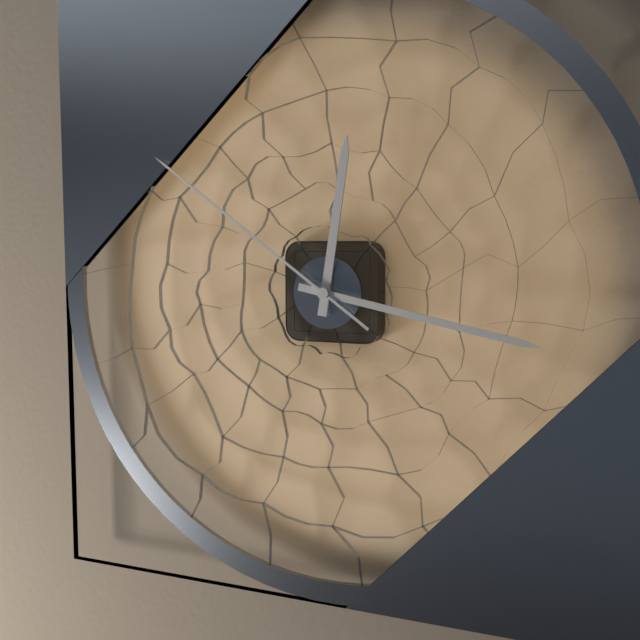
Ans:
12h17m51s
